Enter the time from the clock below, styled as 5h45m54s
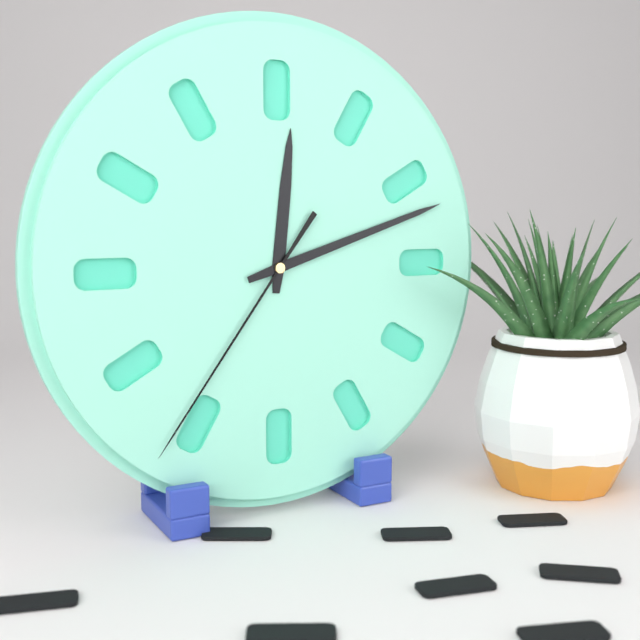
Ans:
12h12m36s
